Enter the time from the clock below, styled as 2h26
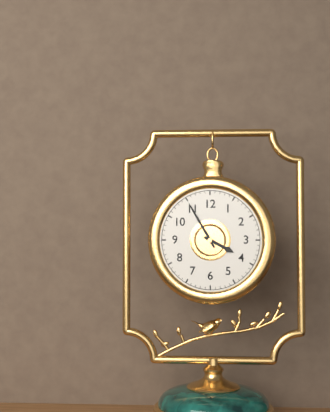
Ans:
3h55
